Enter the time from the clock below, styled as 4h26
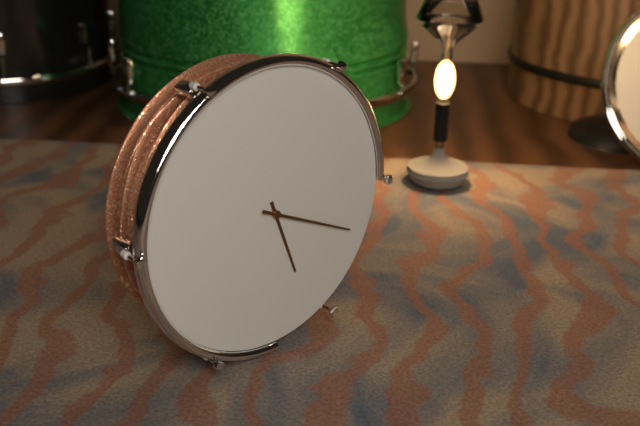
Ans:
5h19
